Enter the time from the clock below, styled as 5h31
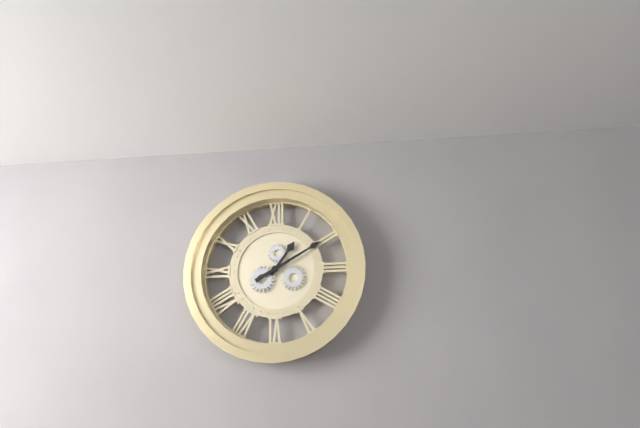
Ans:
1h10
